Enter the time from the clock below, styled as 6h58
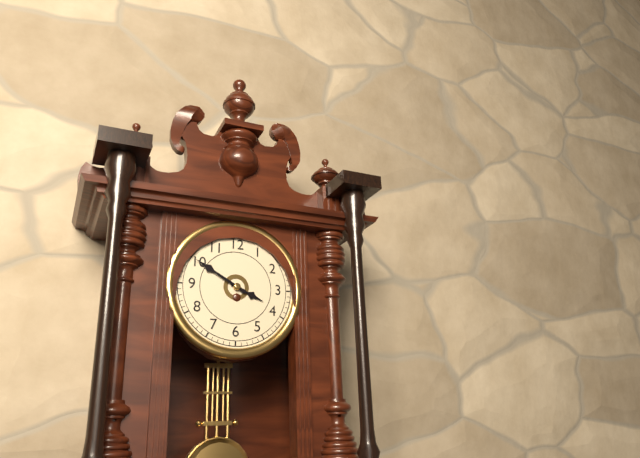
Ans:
3h50
